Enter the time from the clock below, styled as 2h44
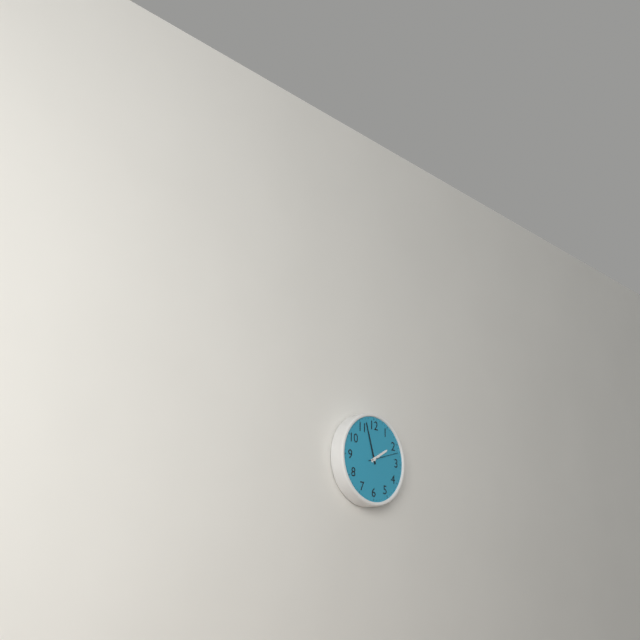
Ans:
1h57
